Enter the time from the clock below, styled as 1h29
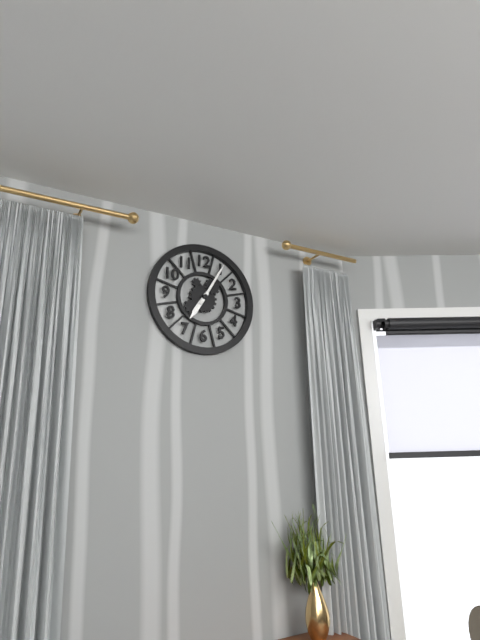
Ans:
7h05
